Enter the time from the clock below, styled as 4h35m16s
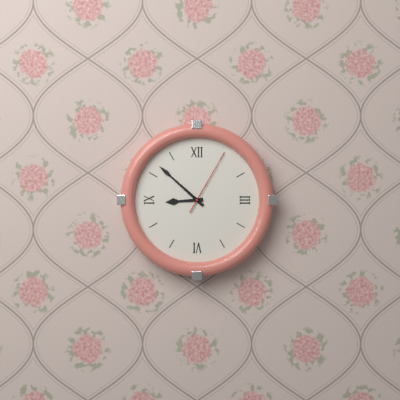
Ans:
8h52m05s
